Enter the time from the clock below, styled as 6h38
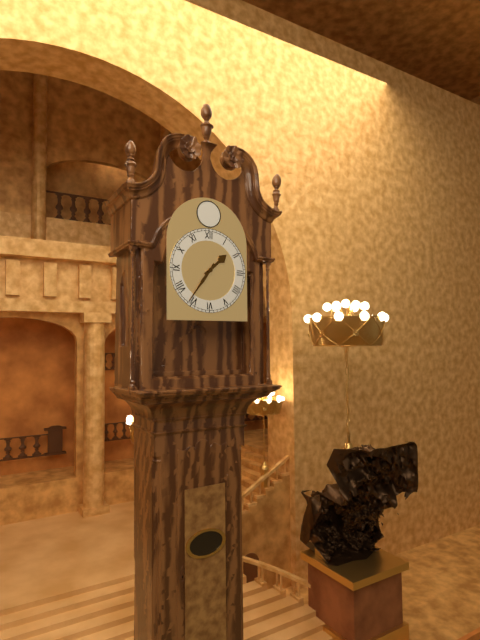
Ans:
1h36
